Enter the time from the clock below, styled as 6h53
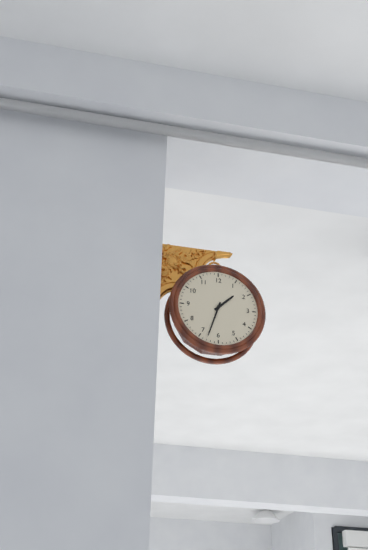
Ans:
1h33
